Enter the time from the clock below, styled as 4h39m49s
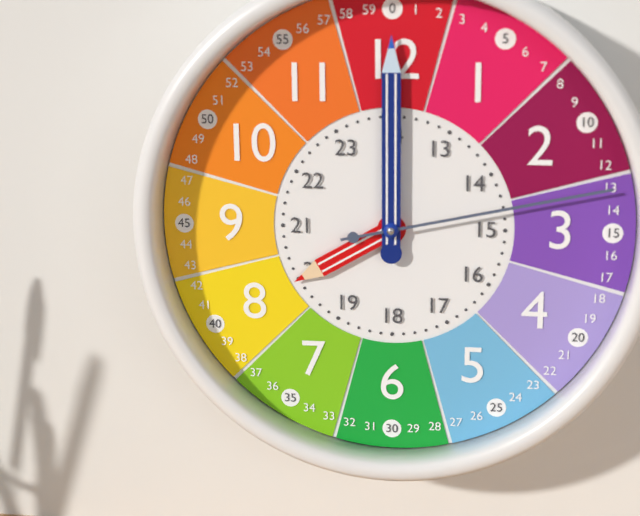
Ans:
8h00m13s
